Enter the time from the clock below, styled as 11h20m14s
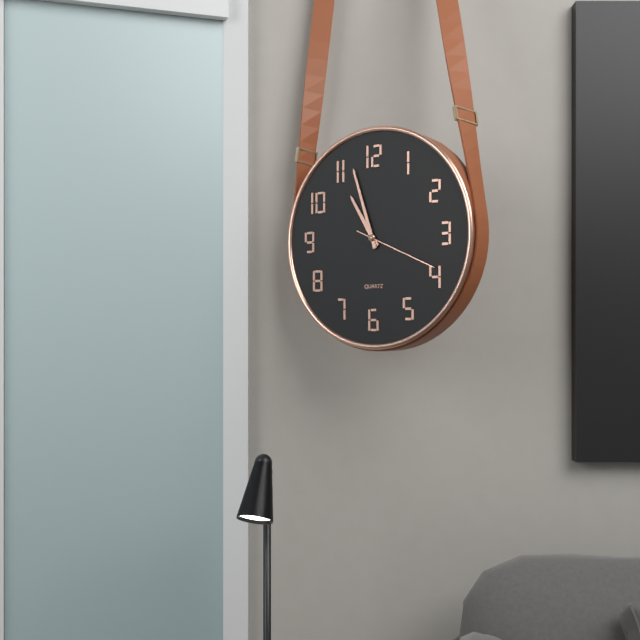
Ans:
10h57m19s
